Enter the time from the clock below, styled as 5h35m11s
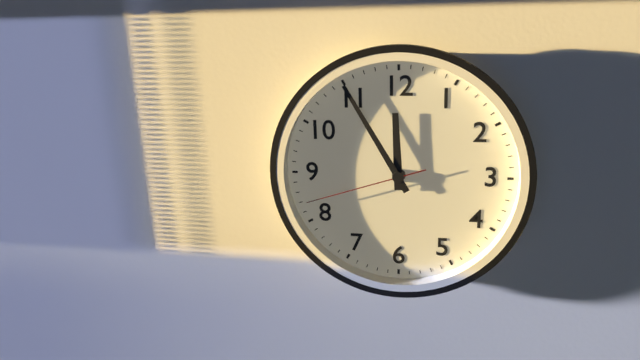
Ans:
11h55m42s
